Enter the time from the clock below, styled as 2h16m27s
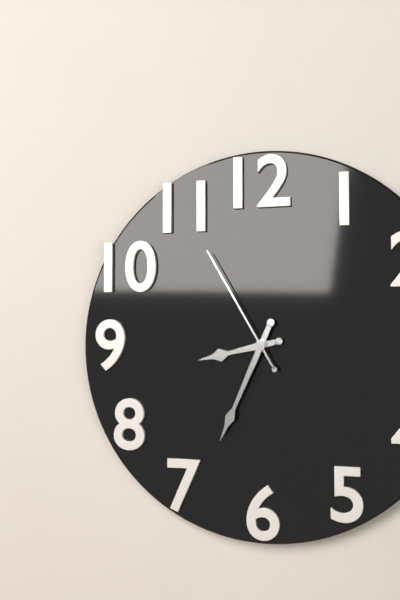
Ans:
8h34m55s
